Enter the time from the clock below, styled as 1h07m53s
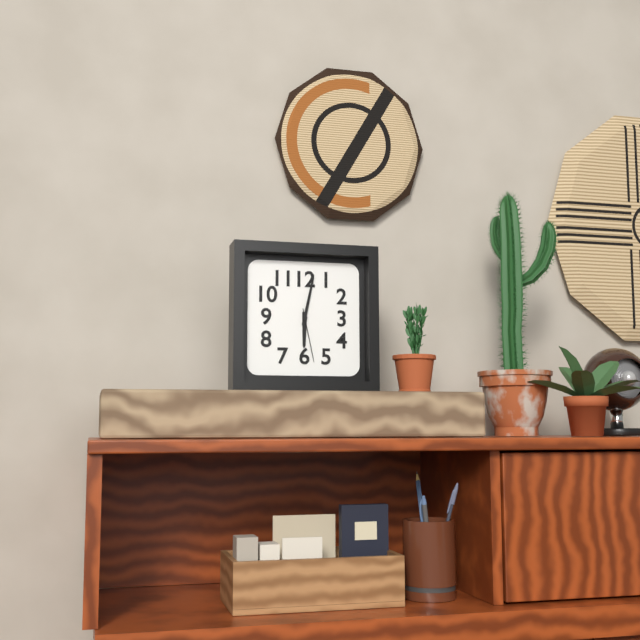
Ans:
6h02m28s
